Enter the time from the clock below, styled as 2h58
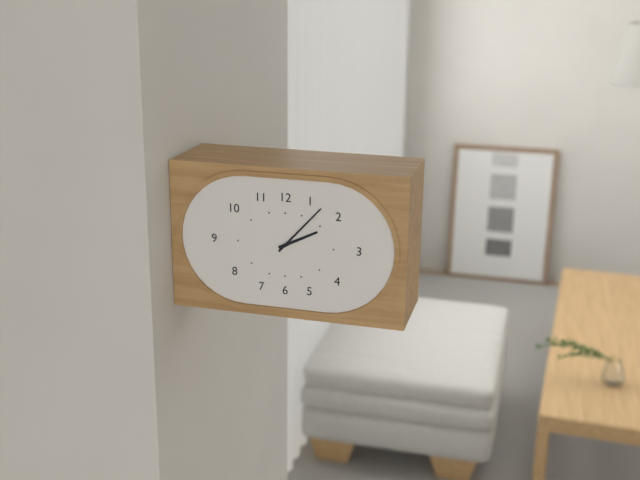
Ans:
2h07
